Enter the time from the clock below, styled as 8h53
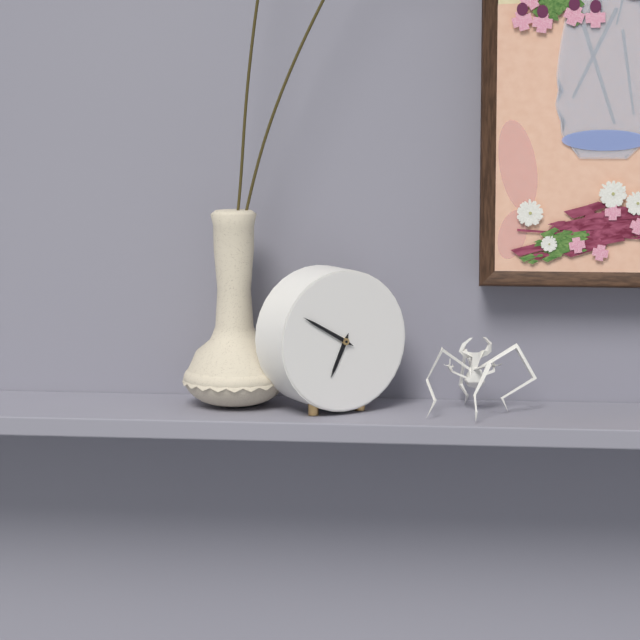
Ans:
6h50
